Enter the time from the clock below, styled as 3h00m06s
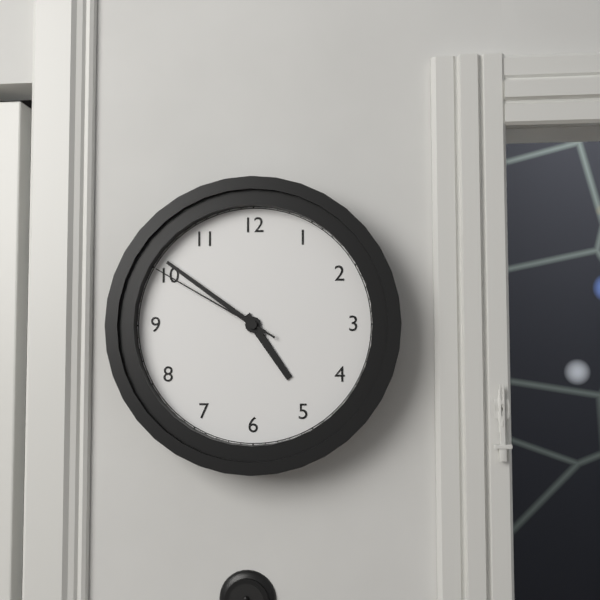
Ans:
4h51m50s
